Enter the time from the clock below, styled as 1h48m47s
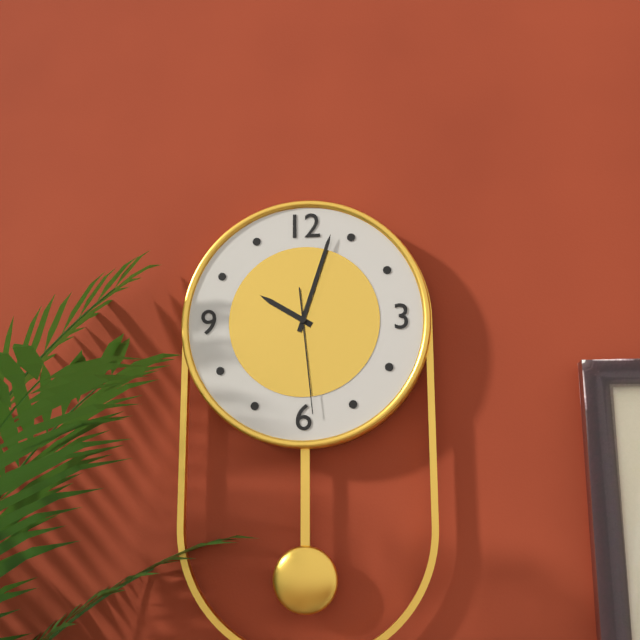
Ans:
10h03m29s
